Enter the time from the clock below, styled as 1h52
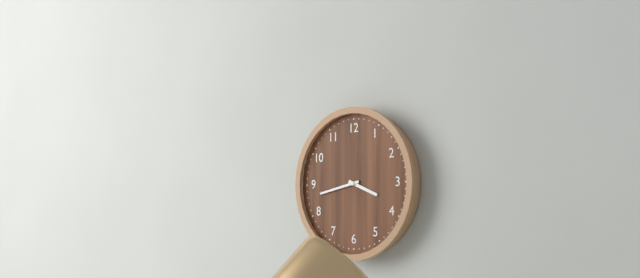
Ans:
3h43
